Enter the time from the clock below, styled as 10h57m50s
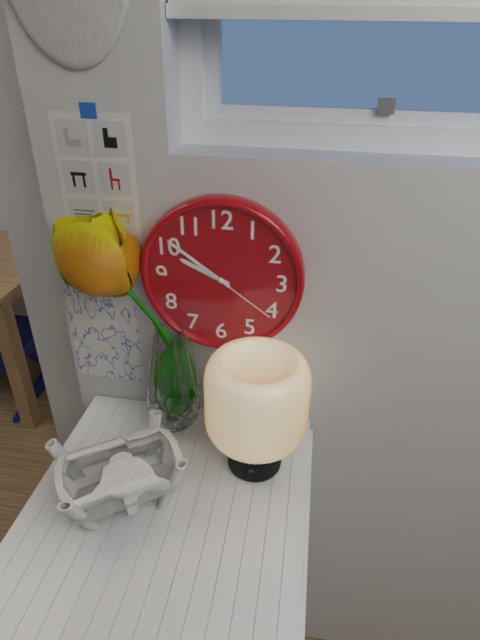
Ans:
9h51m21s
